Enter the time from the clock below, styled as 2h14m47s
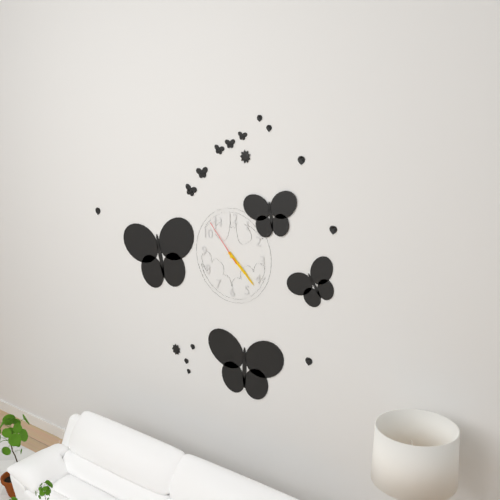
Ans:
4h22m53s
